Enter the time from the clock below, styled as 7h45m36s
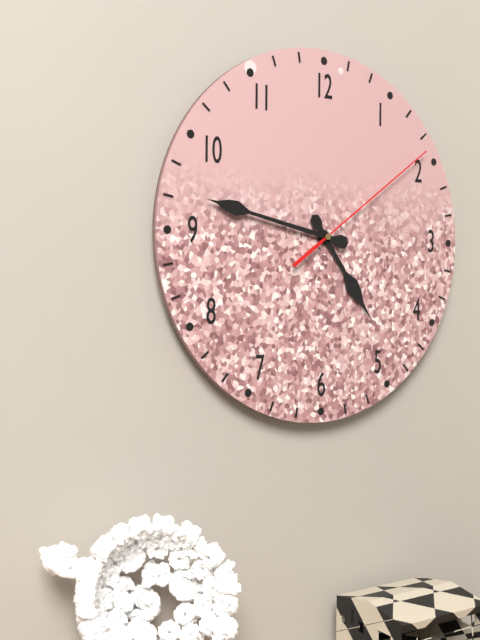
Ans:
4h47m09s
